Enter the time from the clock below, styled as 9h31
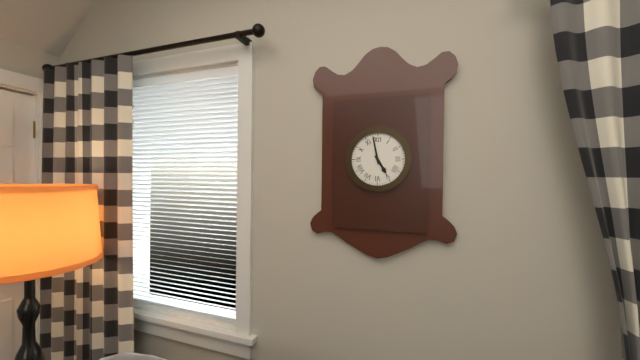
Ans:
4h58
